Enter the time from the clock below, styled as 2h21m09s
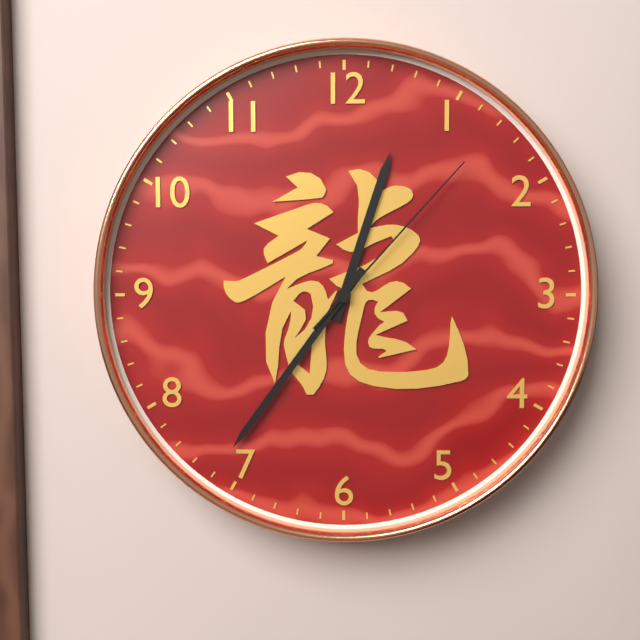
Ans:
12h36m07s
